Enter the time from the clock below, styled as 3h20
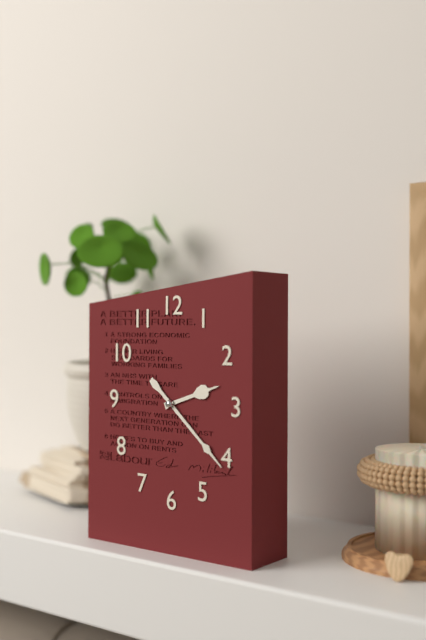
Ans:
2h22
